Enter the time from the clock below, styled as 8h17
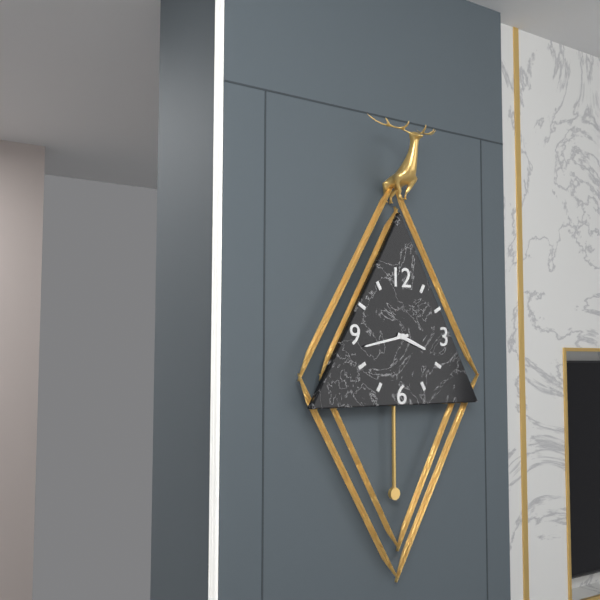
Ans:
3h43
